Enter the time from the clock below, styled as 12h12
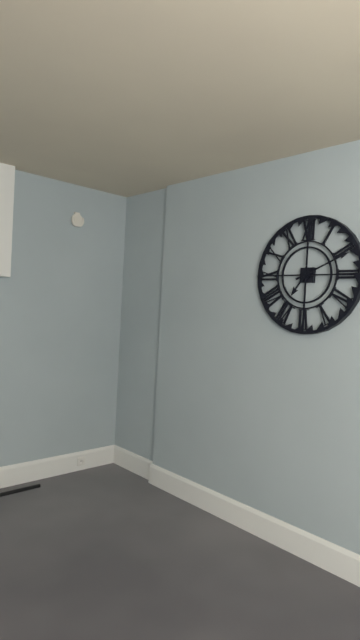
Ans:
7h11
